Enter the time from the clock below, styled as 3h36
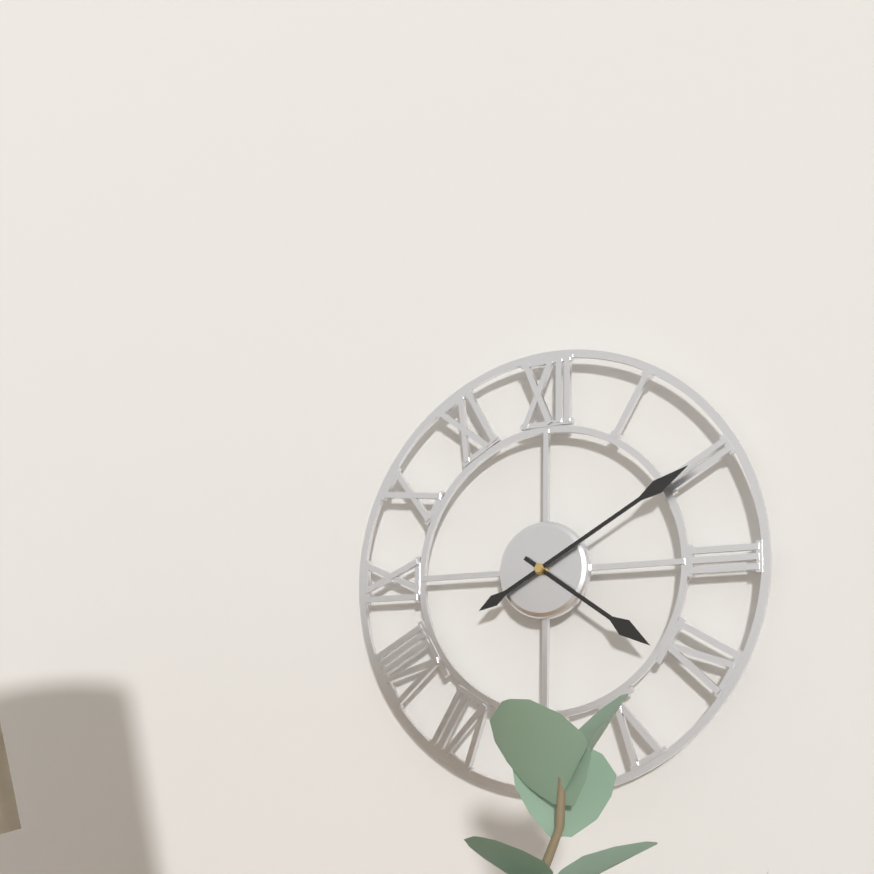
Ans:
4h10
